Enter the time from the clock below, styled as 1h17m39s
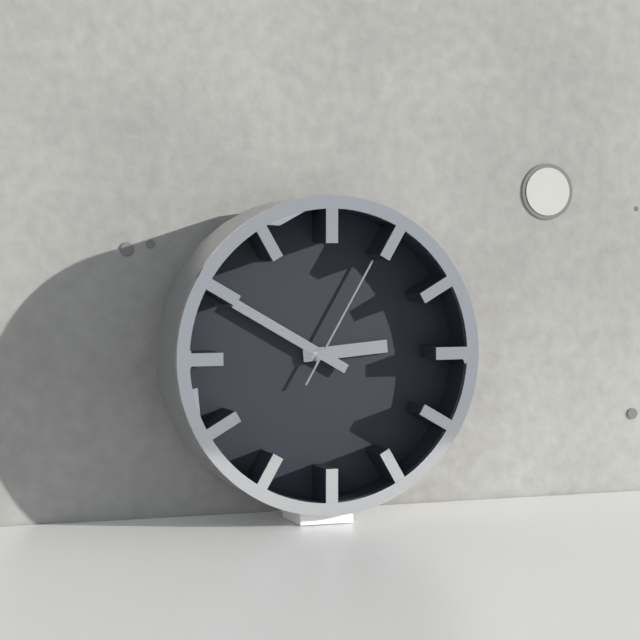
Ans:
2h50m05s
